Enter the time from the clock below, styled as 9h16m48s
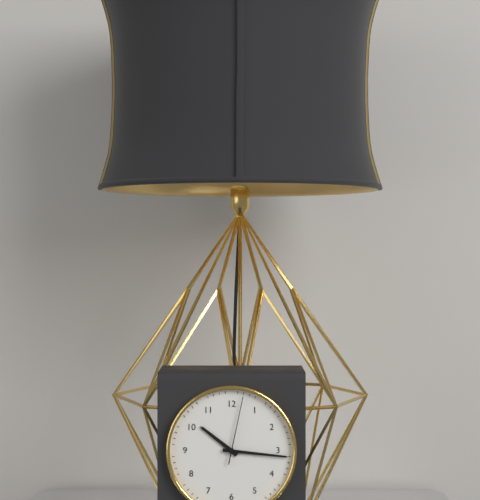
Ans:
10h16m02s
